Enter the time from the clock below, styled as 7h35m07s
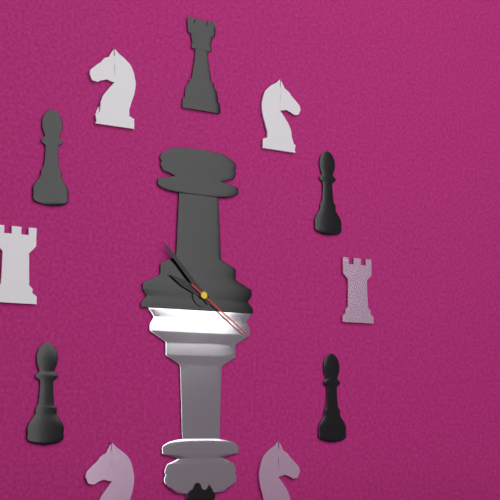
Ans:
9h53m21s
